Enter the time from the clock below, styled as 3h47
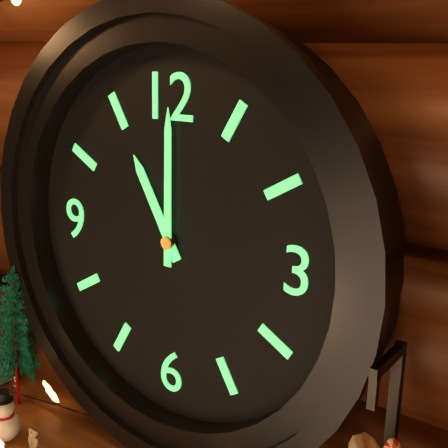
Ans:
11h00
